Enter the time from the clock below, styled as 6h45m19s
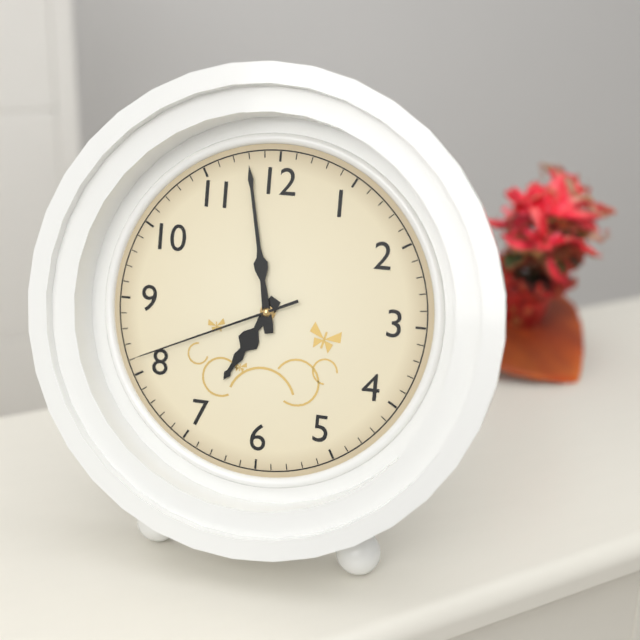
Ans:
6h58m41s
